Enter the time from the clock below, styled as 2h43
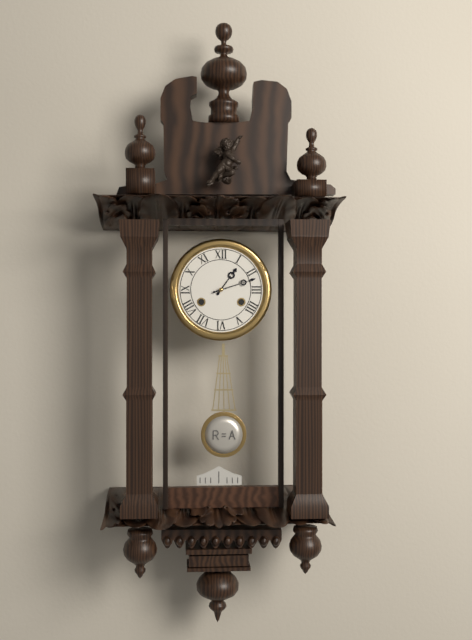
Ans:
1h12
